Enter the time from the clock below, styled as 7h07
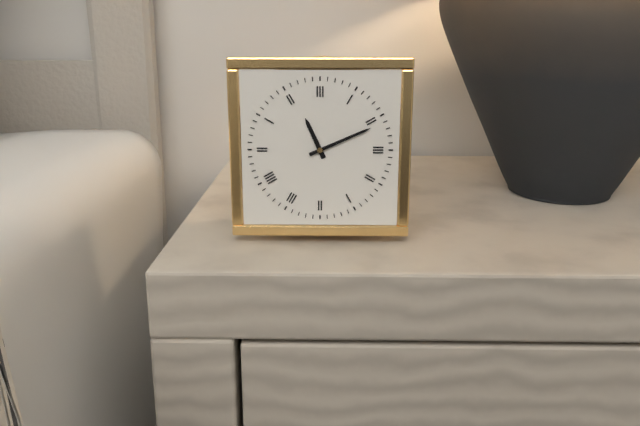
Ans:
11h11
